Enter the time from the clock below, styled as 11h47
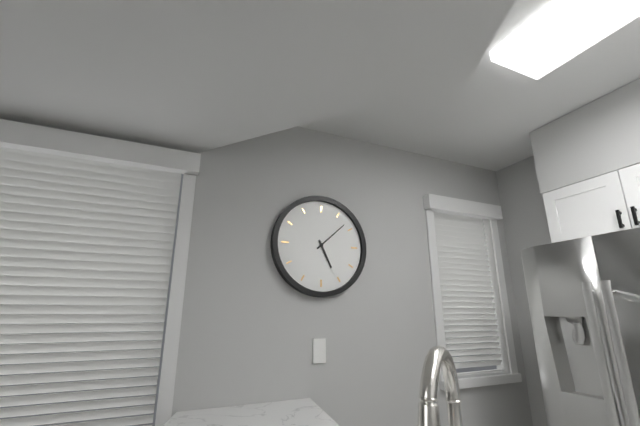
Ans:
5h08
